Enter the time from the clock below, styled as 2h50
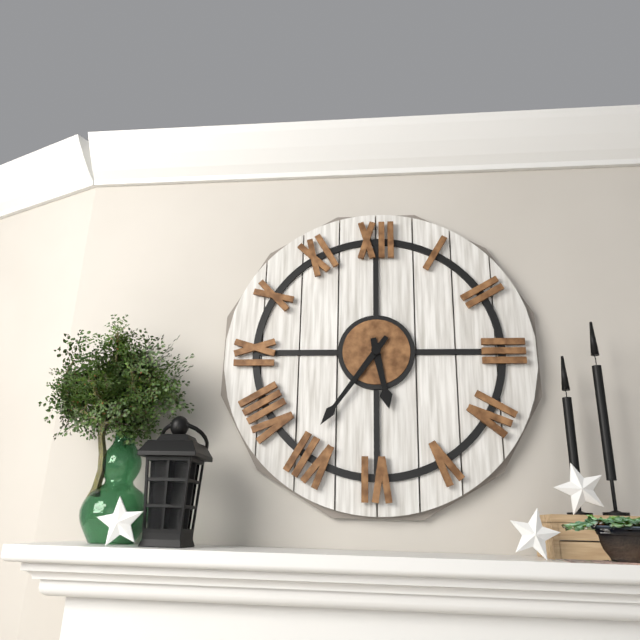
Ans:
5h36
